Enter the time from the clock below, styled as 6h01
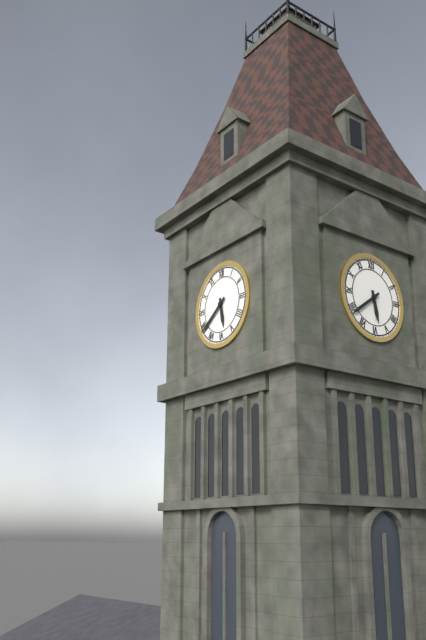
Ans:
5h39
